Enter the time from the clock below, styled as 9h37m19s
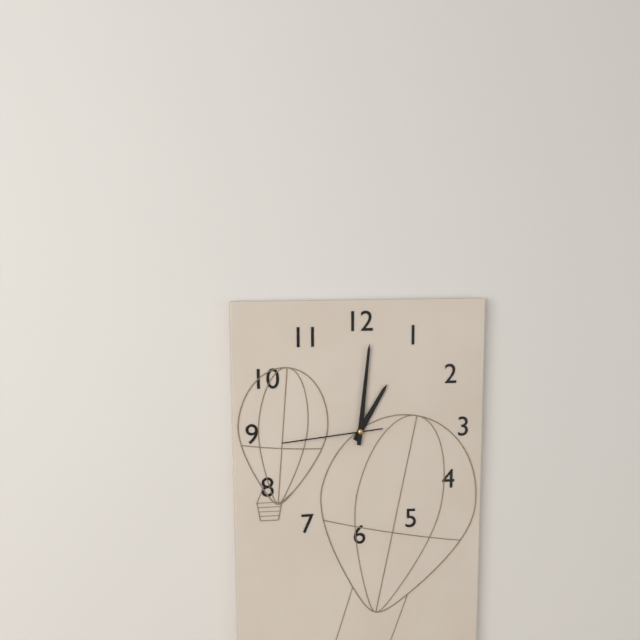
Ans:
1h01m44s
